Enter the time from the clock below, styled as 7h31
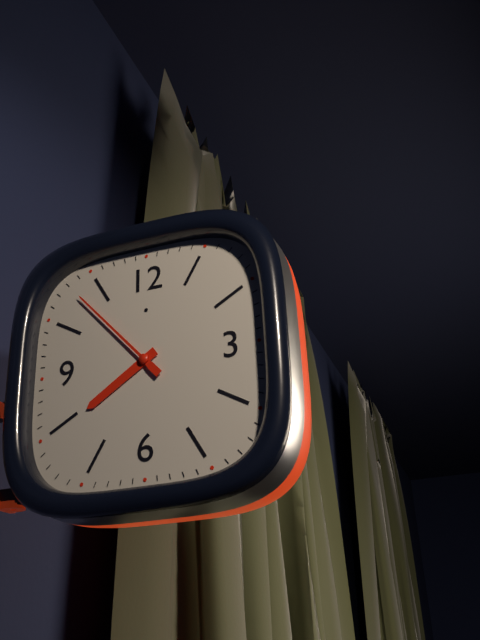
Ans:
7h53
